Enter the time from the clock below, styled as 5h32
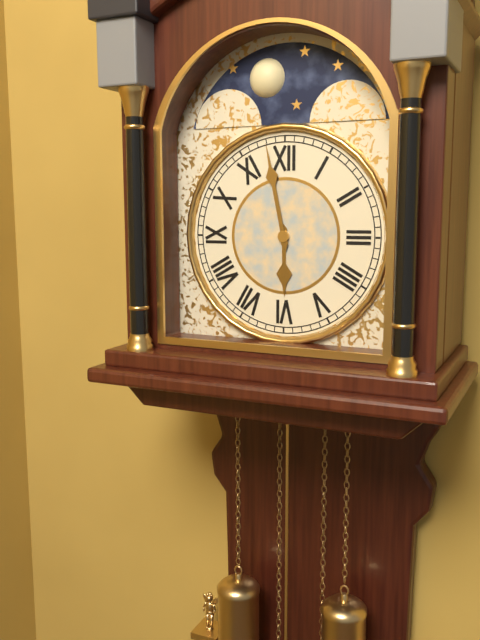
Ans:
5h58
